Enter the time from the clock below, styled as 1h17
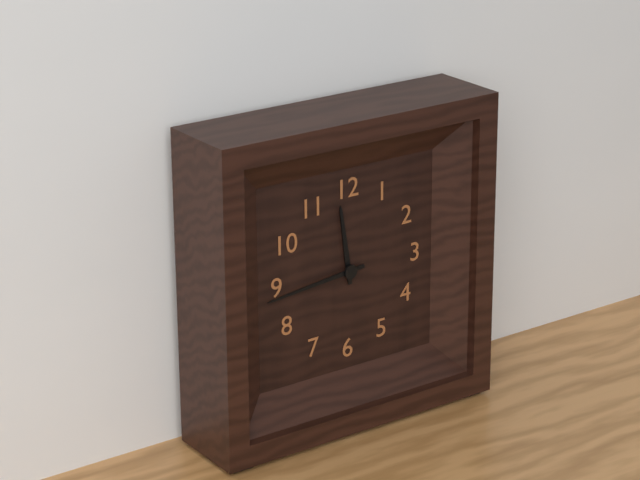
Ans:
11h44
